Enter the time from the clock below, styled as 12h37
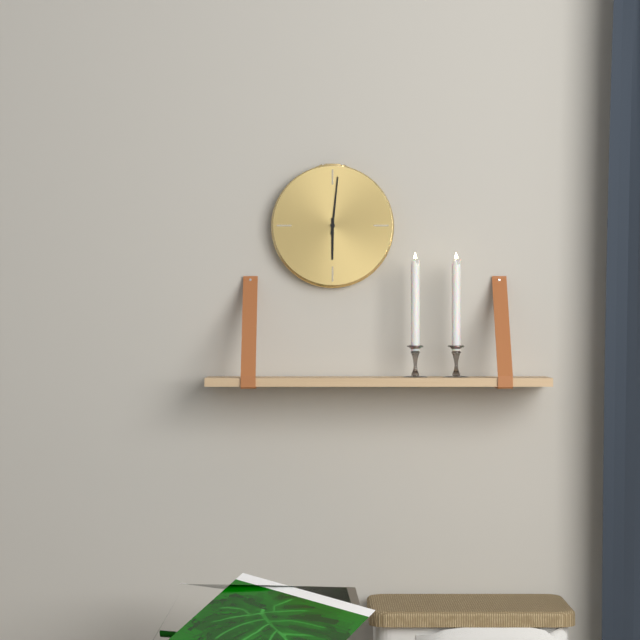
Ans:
6h01
